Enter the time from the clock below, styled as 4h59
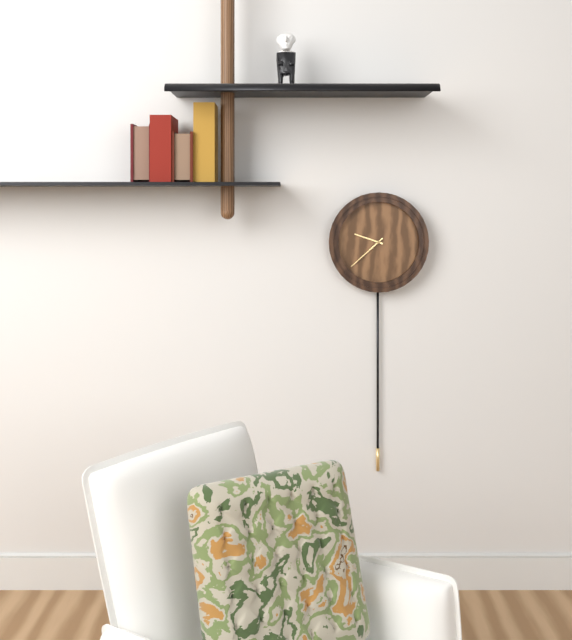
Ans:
9h38
